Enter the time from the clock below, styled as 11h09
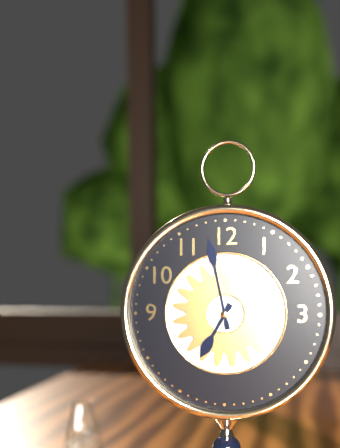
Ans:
6h58
